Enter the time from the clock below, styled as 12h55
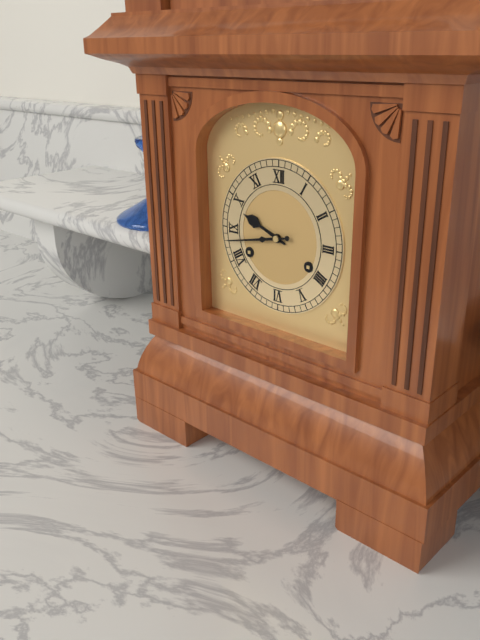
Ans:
9h43
